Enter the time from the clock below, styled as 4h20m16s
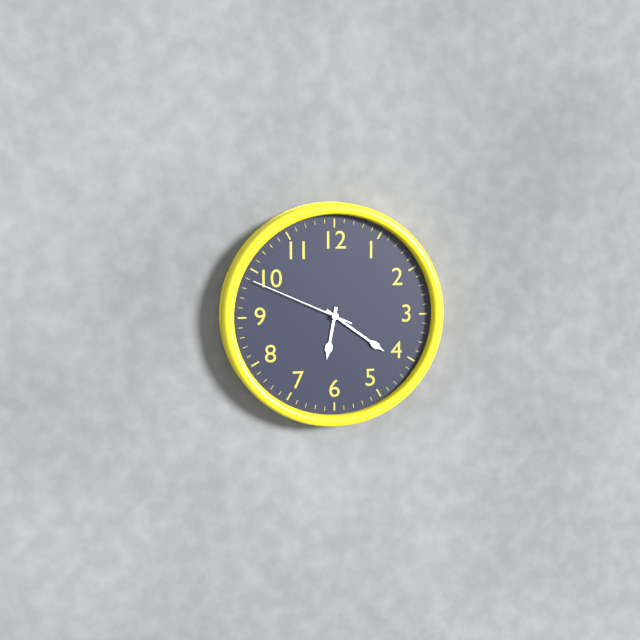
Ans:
6h21m49s
